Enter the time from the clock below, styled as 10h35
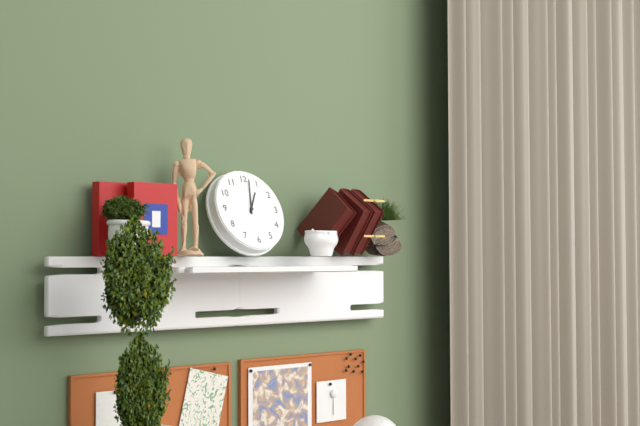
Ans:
1h02
